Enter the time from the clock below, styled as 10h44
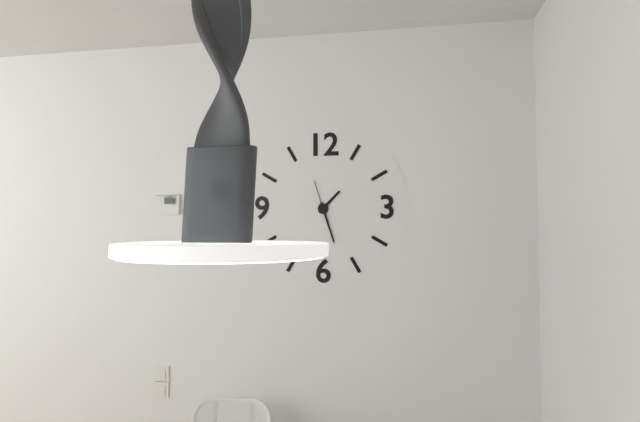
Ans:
1h27
